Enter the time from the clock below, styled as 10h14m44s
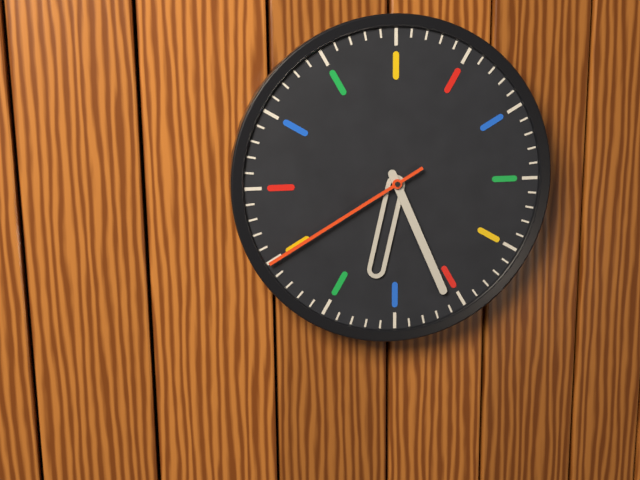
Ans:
6h26m40s
